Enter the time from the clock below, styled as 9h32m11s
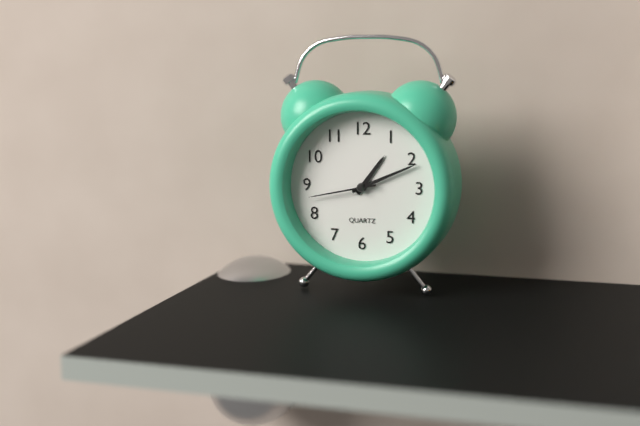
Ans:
1h11m43s
